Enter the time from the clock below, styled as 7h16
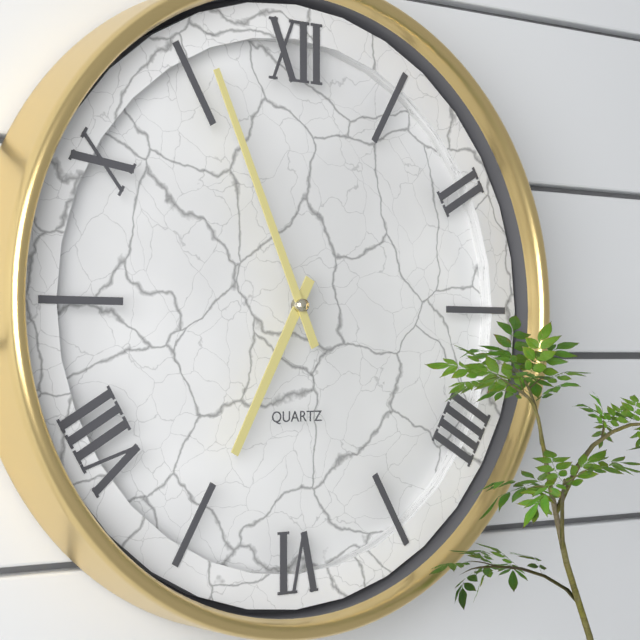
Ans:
6h56
